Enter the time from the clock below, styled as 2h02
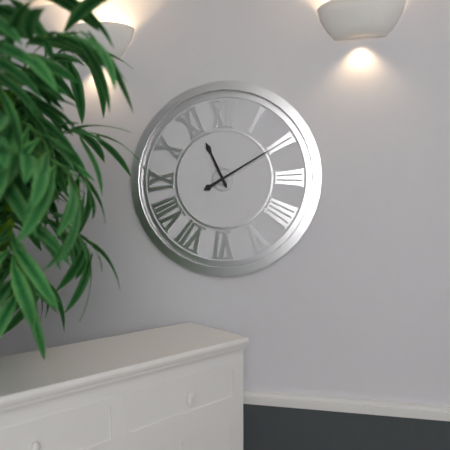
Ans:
11h10
